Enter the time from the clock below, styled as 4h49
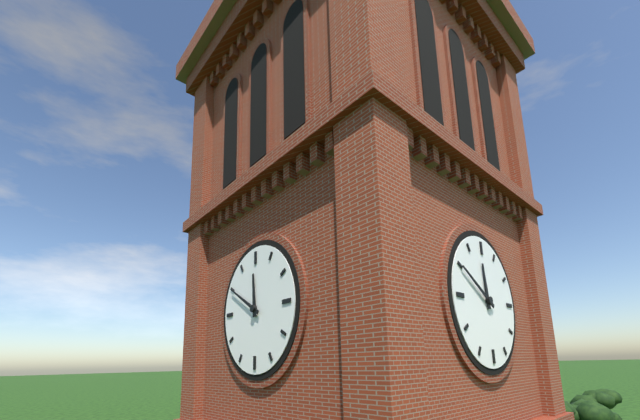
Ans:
11h50
